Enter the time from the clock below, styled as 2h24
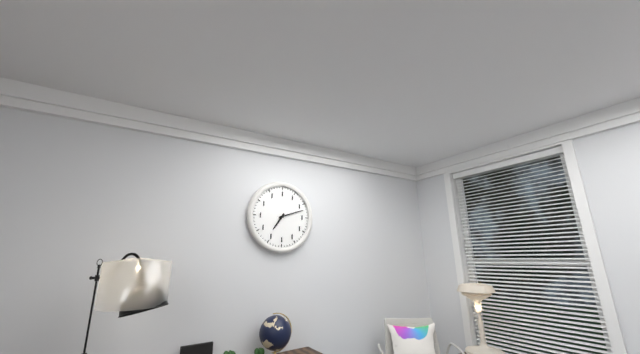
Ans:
7h12
